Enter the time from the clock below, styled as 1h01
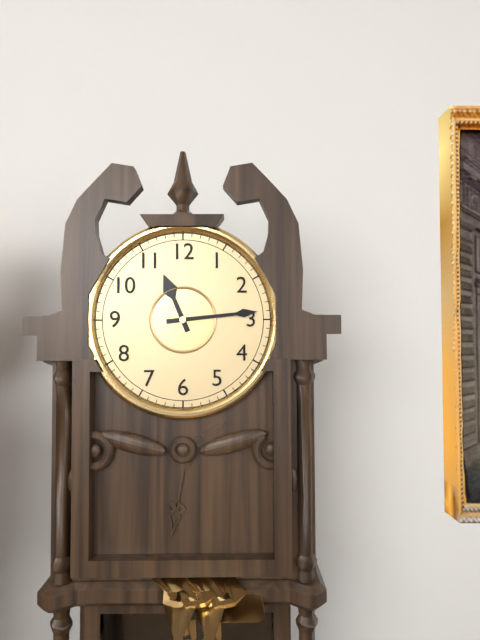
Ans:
11h14
